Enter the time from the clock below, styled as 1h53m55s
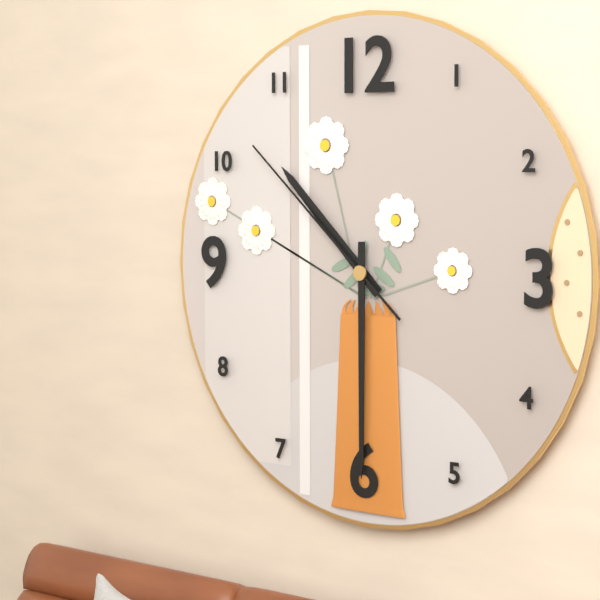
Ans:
10h30m52s
